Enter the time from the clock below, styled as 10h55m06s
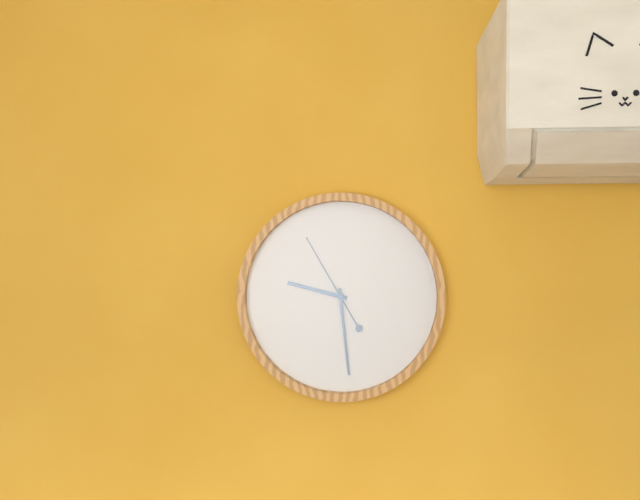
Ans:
9h29m55s
